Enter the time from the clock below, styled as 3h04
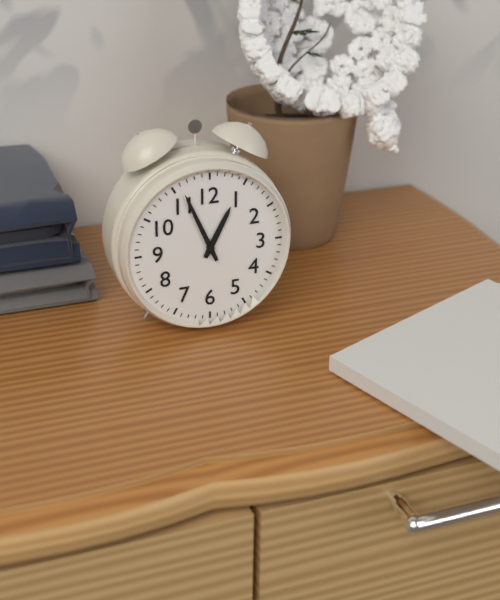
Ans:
12h56
